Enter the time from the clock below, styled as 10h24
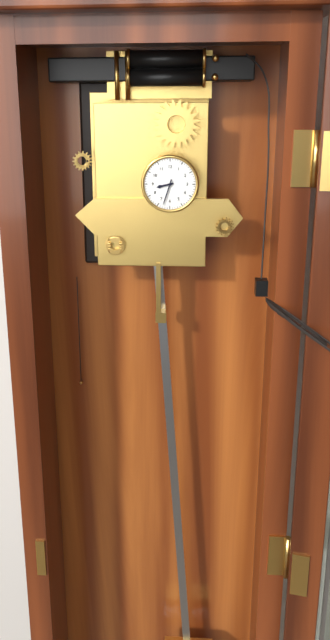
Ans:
8h33
